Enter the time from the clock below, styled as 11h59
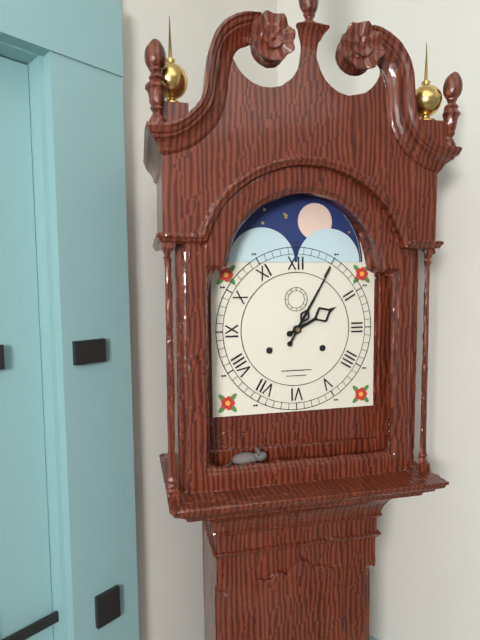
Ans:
2h05
